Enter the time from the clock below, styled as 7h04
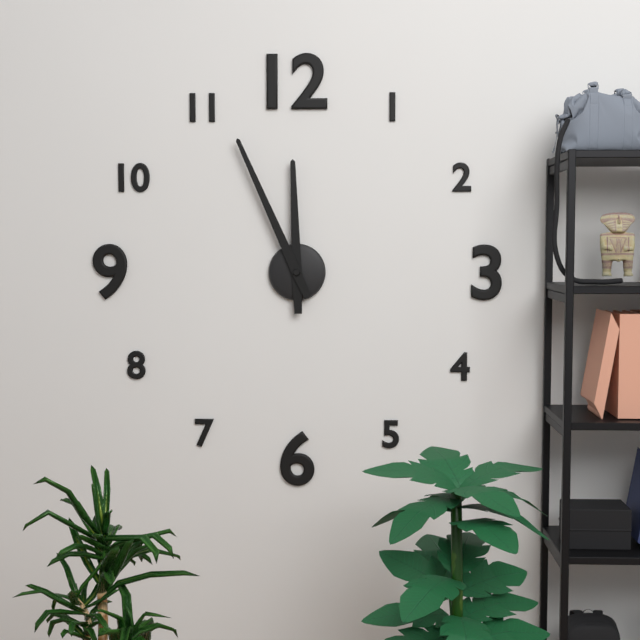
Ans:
11h56
